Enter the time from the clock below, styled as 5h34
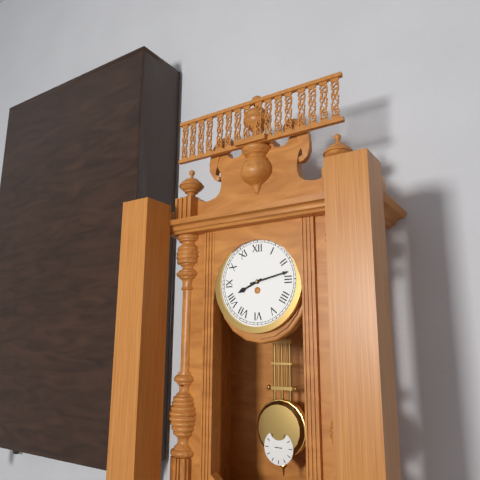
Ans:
8h13
